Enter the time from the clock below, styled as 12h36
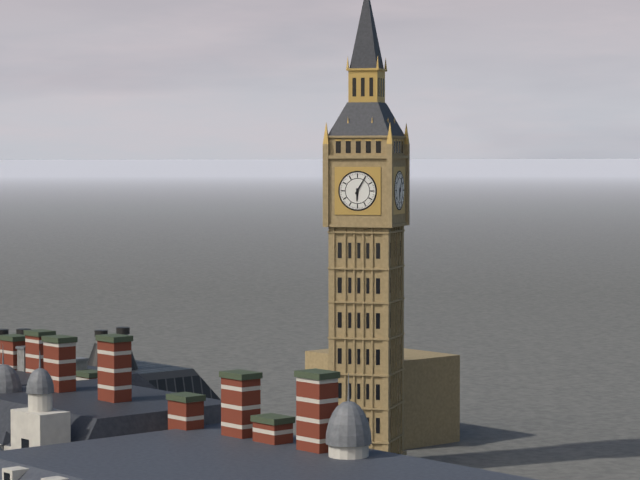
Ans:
6h05
